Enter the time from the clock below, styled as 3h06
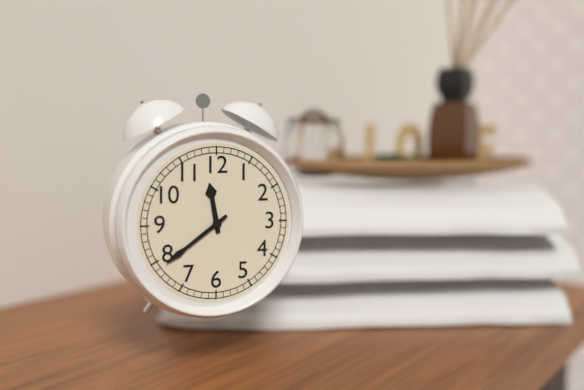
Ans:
11h39
